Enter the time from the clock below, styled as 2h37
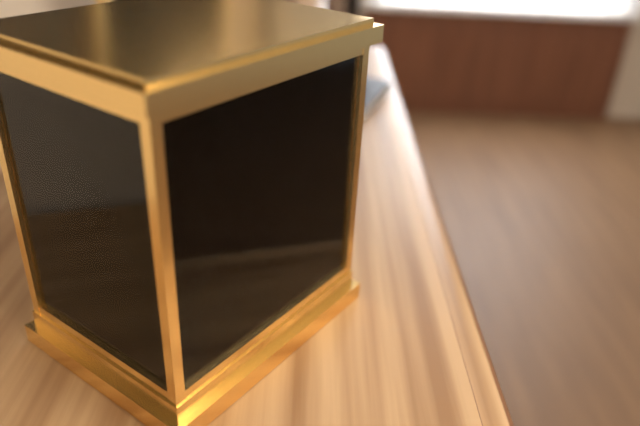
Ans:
3h35
